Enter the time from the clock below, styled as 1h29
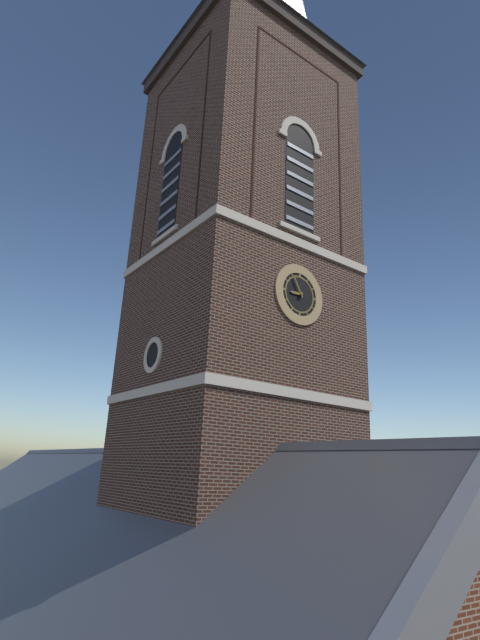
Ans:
8h55
